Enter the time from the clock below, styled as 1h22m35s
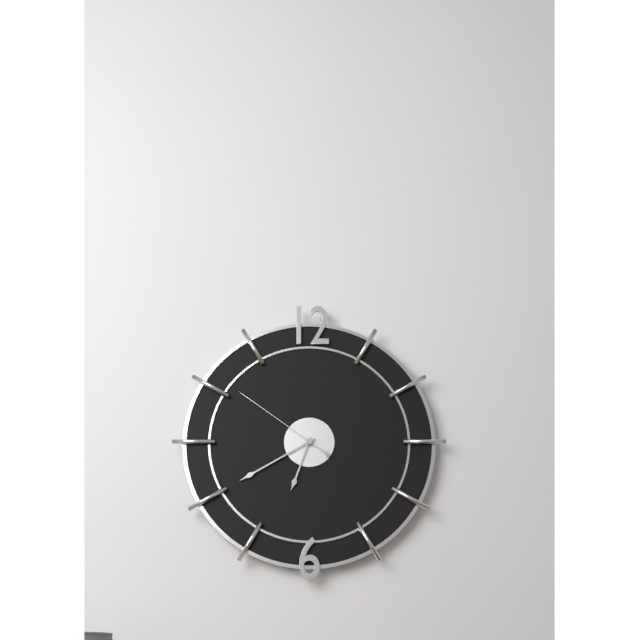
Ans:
6h40m51s
